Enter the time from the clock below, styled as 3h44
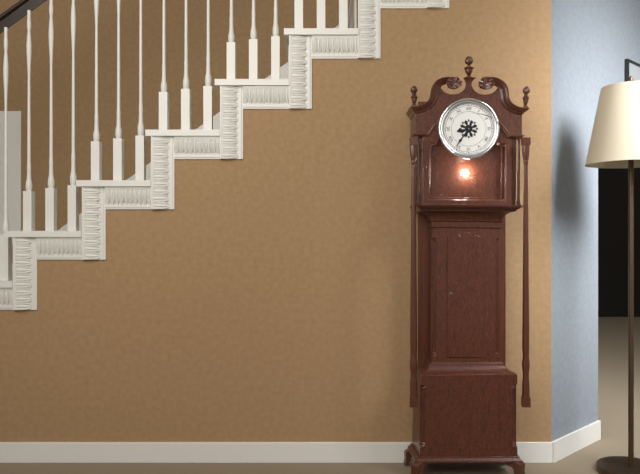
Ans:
8h36
